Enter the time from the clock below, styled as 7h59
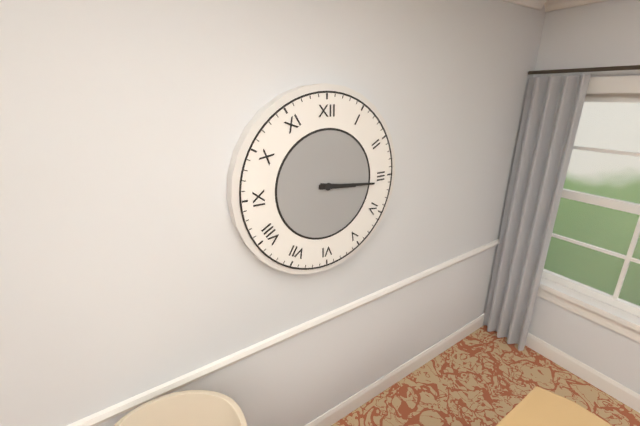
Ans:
3h16
